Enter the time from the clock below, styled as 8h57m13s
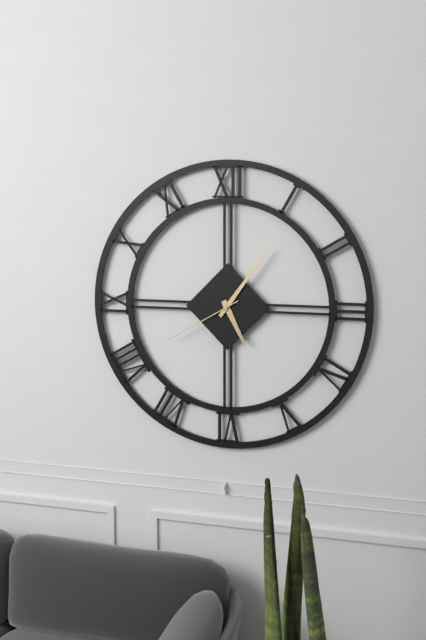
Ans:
5h06m40s
